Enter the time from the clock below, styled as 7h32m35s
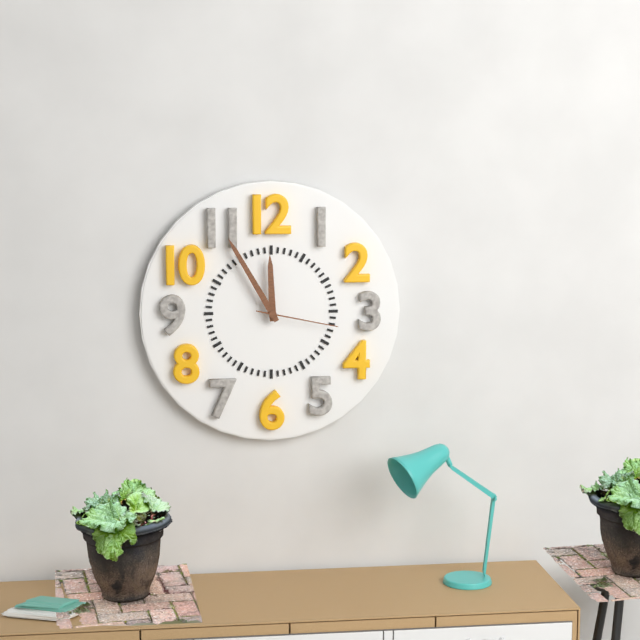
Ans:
11h55m17s
